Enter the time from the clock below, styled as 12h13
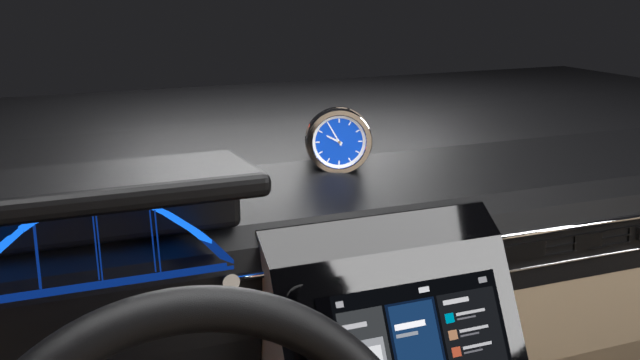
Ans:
9h55
